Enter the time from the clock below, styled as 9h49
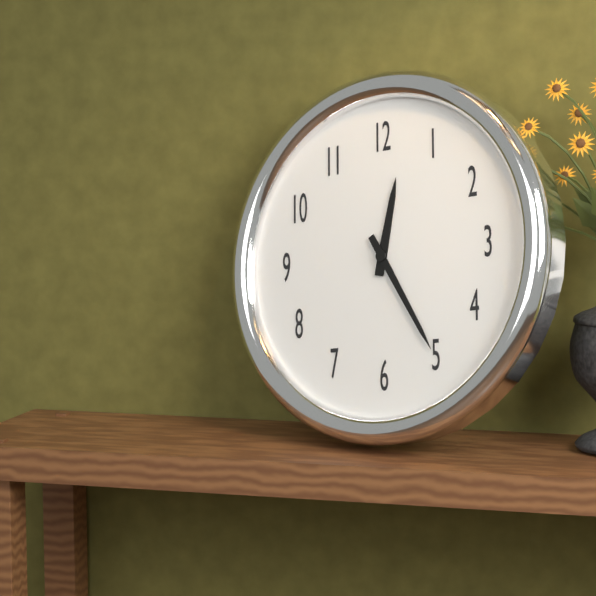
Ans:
12h25
